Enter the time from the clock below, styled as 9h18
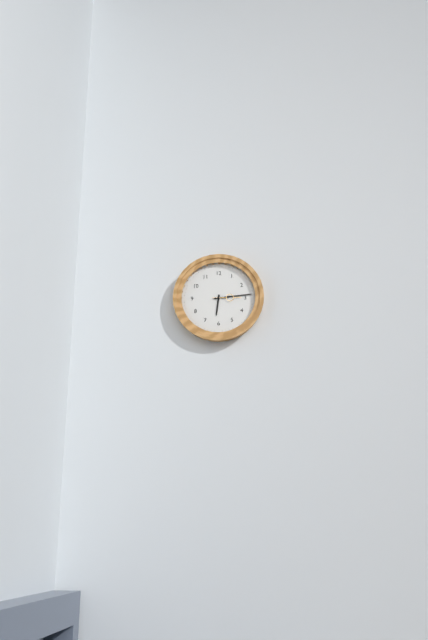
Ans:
6h14
